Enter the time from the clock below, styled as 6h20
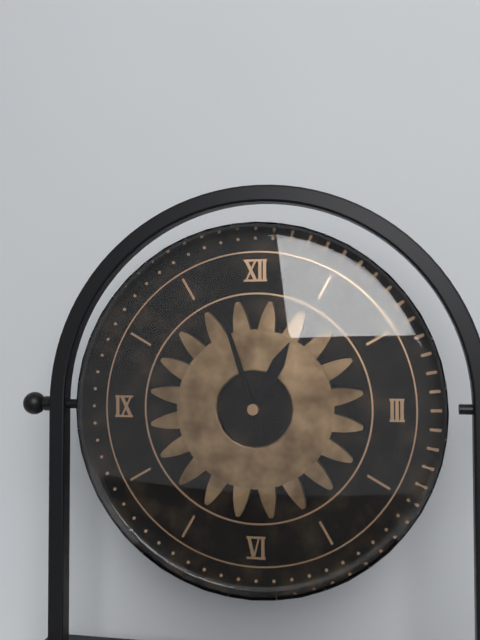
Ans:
12h57
